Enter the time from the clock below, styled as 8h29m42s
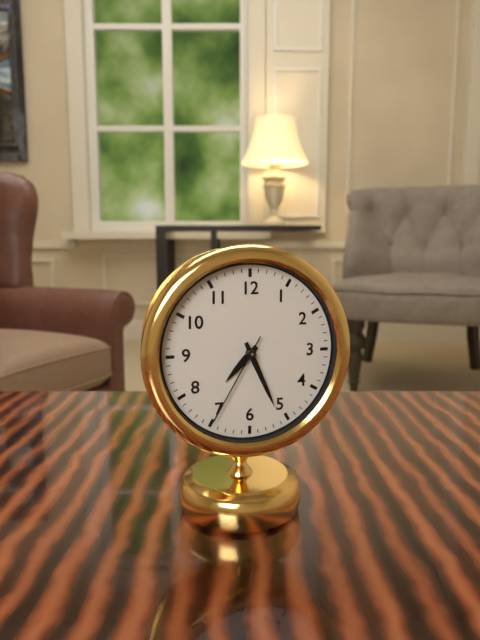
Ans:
7h26m35s
